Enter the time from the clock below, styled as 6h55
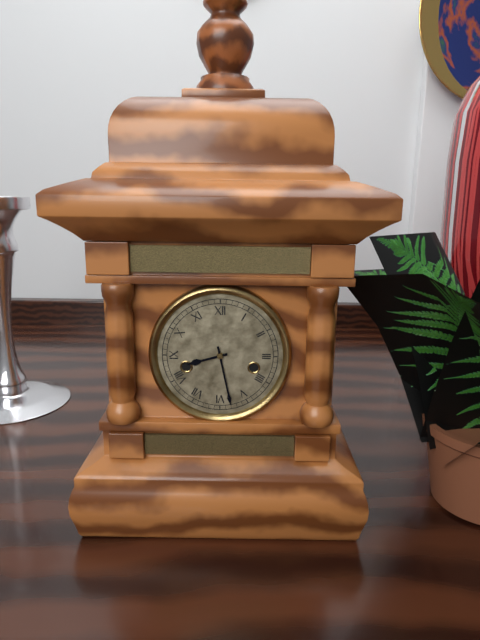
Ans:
8h28
